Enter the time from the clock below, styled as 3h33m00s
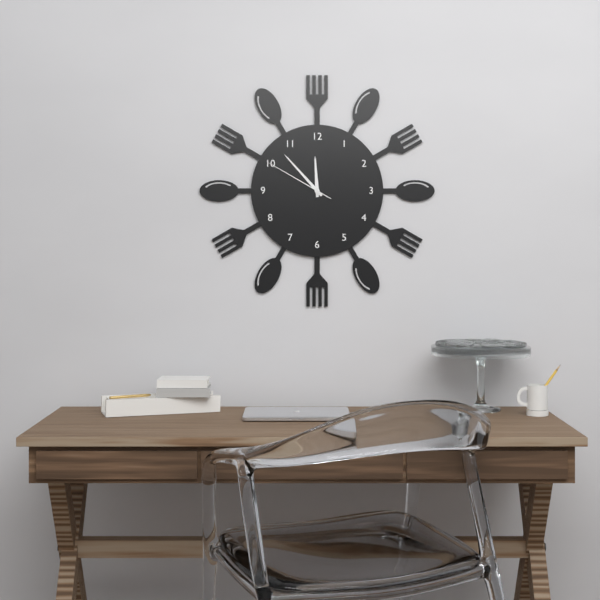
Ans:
11h53m50s
